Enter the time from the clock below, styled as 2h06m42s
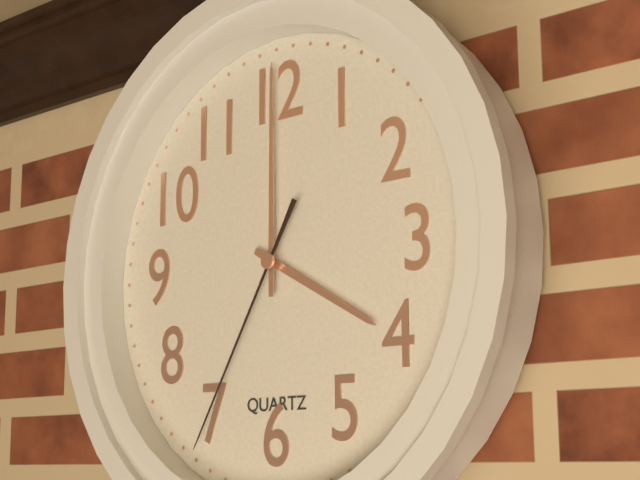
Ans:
4h00m35s
